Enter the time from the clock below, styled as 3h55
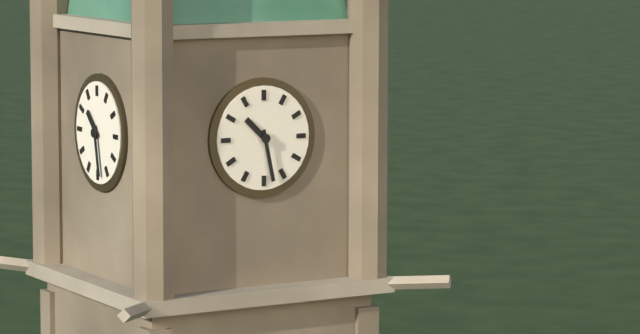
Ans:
10h28
